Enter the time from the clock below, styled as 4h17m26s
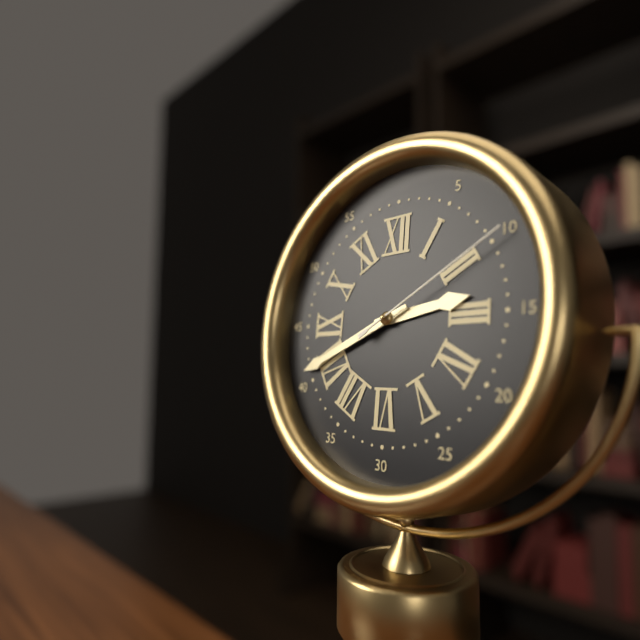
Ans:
2h41m10s
